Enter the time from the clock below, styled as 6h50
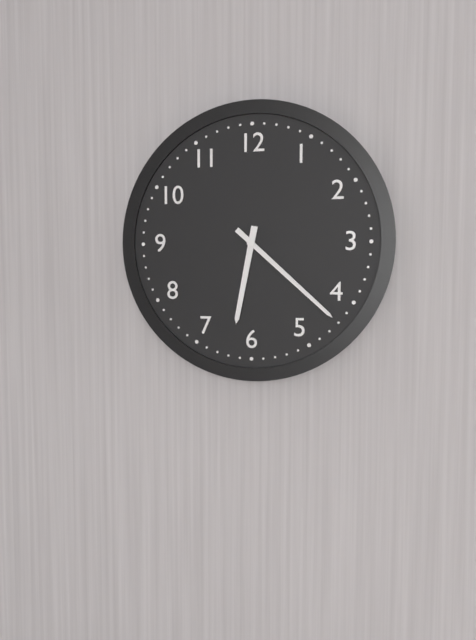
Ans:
6h22
